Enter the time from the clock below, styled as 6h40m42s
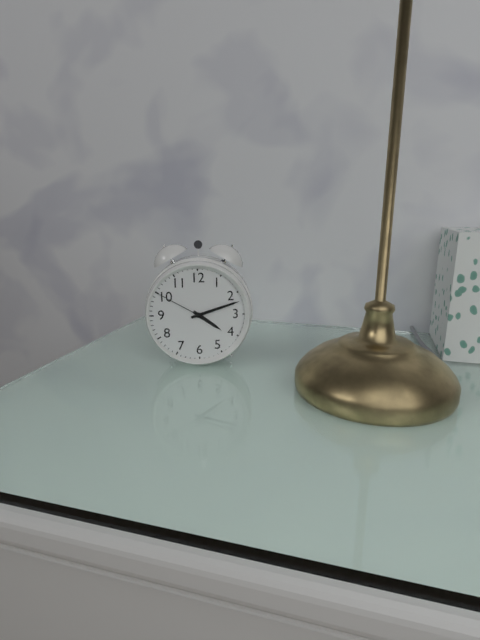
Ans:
4h12m50s
